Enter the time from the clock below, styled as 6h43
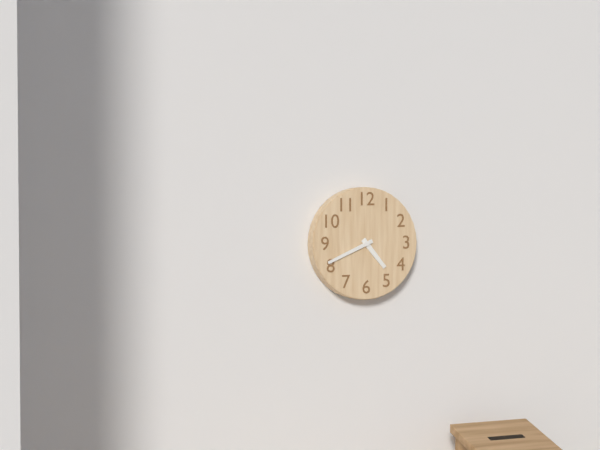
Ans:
4h41
